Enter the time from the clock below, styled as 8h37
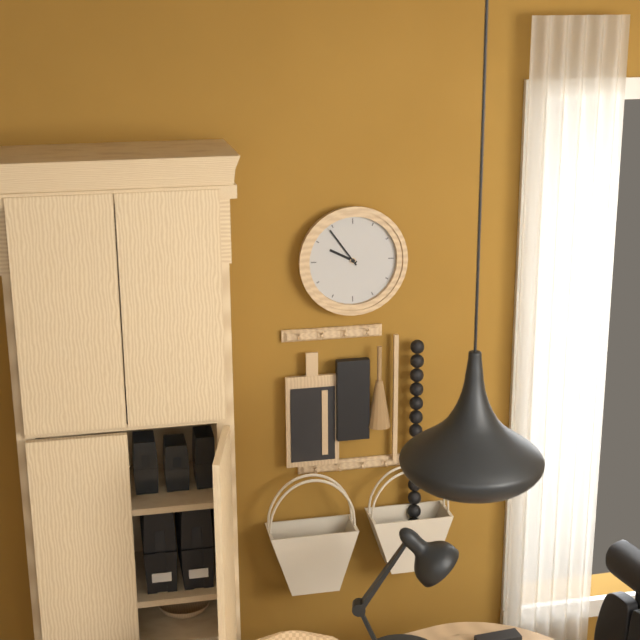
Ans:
9h54
